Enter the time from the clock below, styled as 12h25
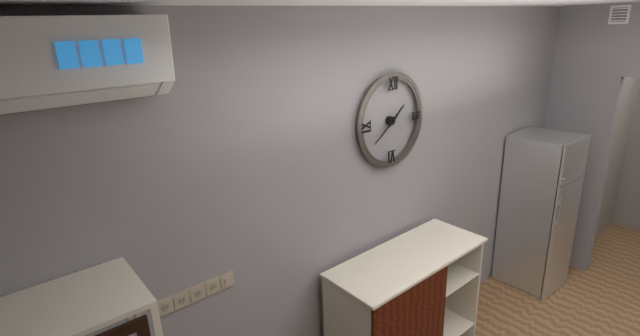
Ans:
1h39
